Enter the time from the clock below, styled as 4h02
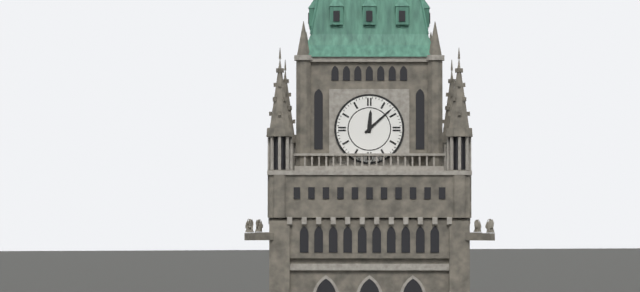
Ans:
12h08
